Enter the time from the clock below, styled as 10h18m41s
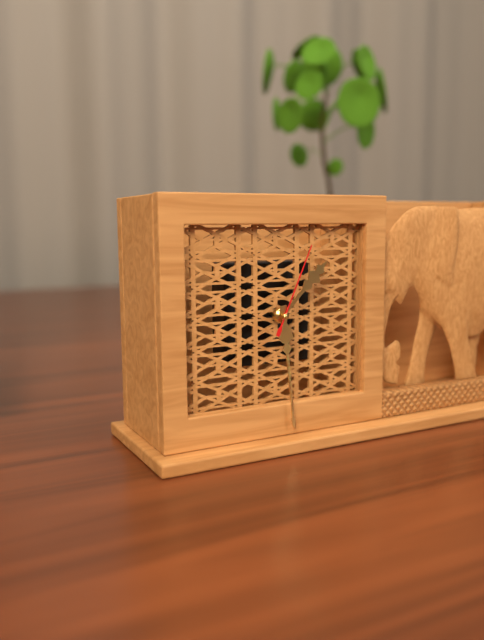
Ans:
1h29m04s
